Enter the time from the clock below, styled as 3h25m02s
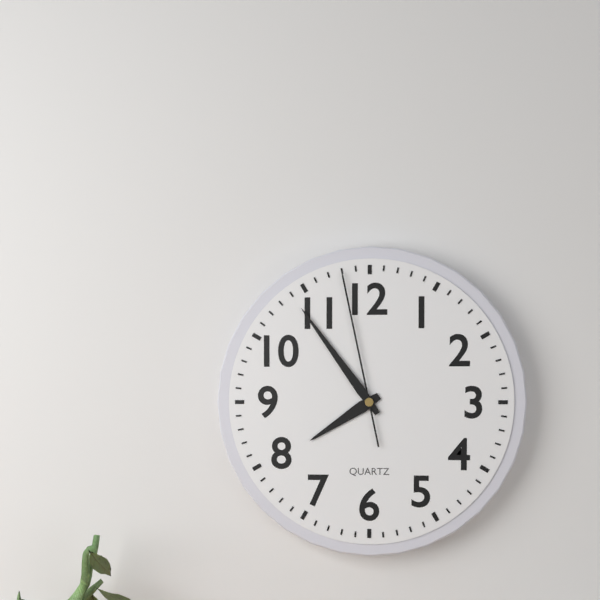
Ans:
7h54m58s
